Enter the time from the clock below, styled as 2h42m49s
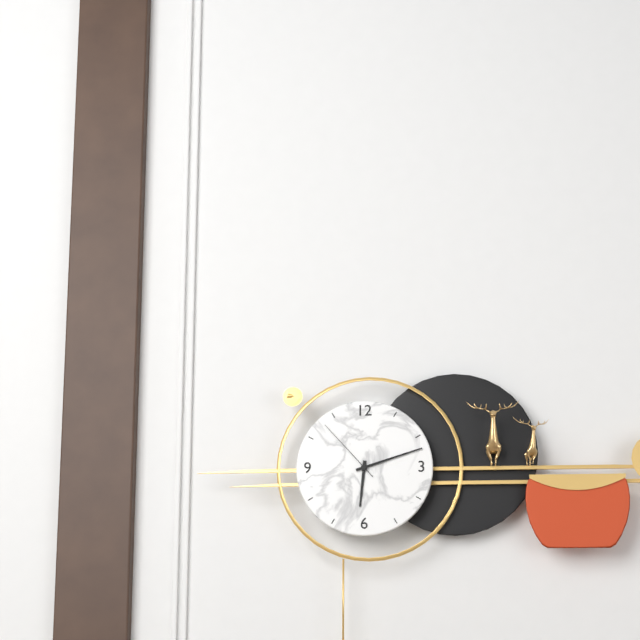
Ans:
6h12m53s
